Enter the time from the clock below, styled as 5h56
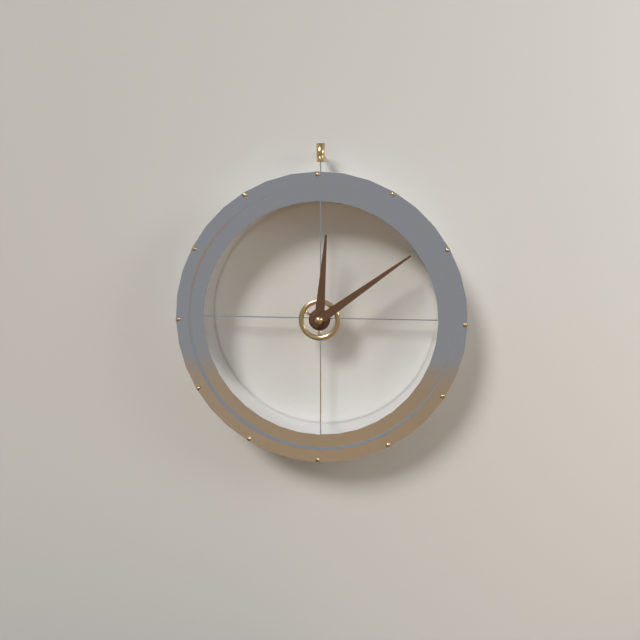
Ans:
12h09
